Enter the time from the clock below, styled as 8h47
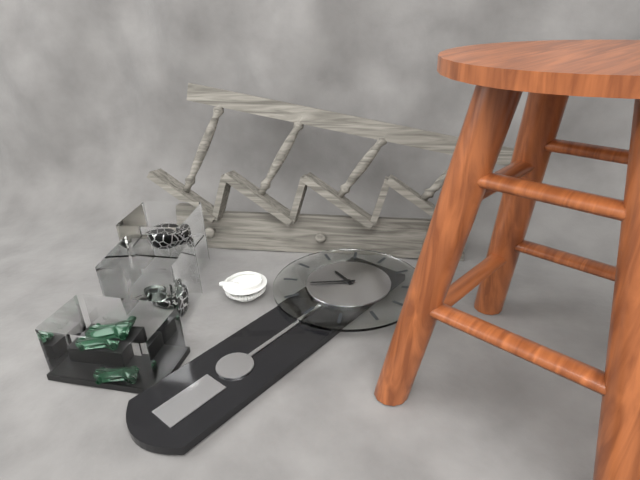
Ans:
9h38
